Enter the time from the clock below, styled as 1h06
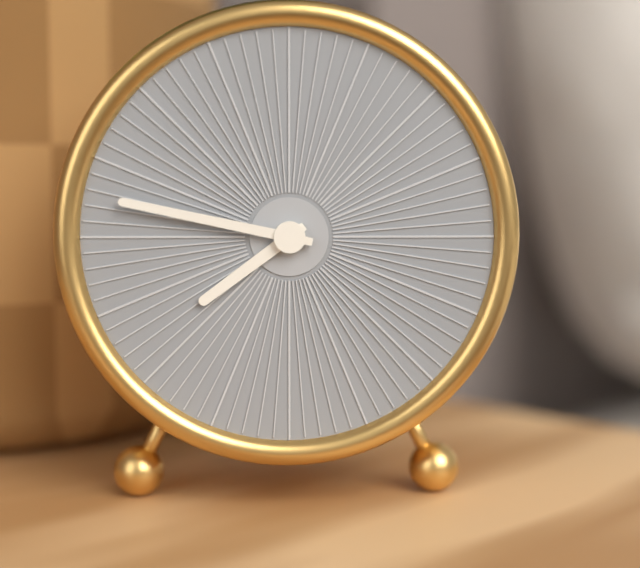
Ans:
7h47
